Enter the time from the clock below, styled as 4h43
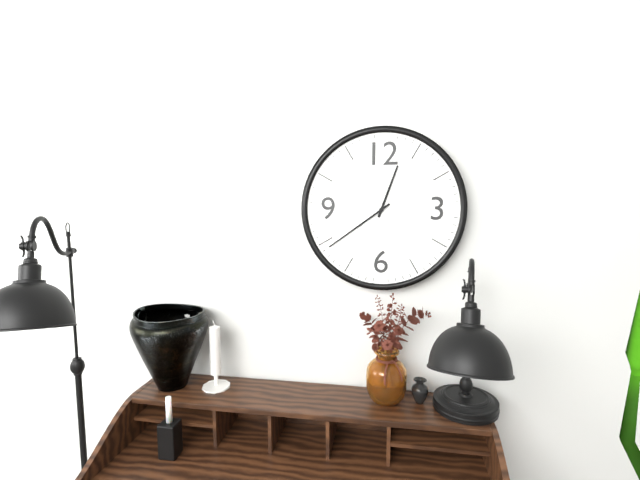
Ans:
12h39
